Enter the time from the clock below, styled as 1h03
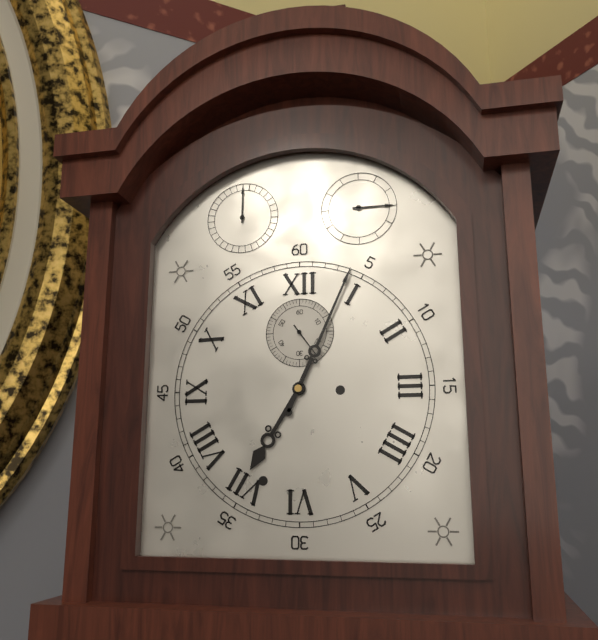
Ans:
7h04
